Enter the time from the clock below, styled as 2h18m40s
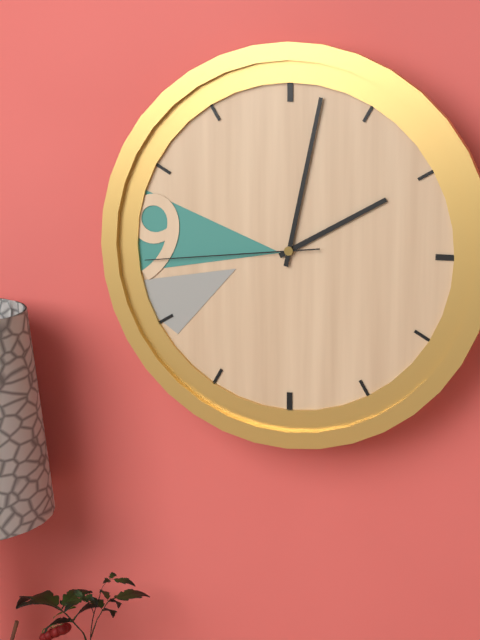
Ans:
2h02m44s
